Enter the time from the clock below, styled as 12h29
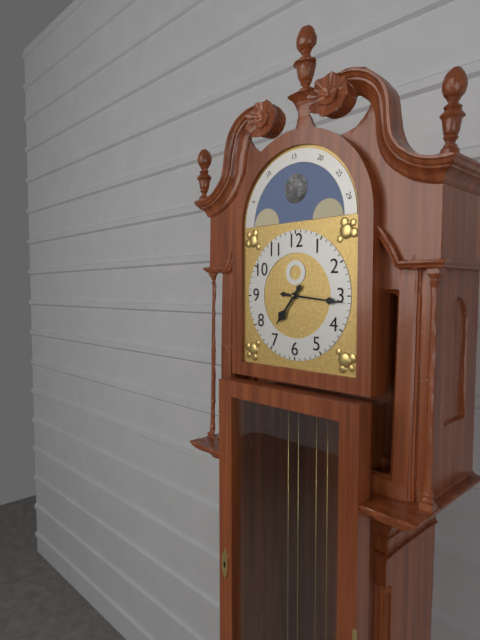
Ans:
7h16
